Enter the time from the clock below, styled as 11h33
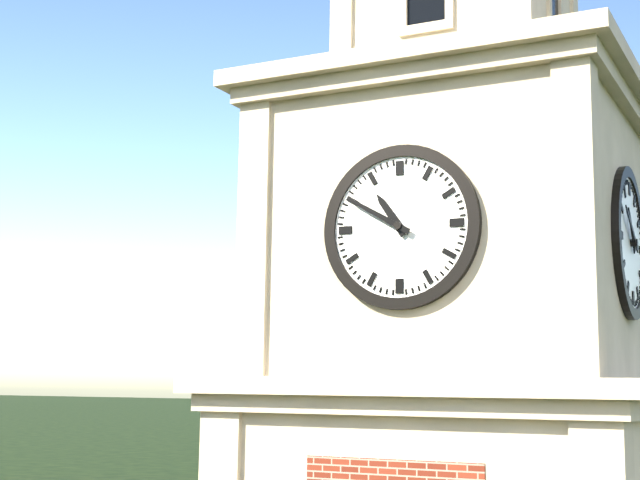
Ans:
10h50
